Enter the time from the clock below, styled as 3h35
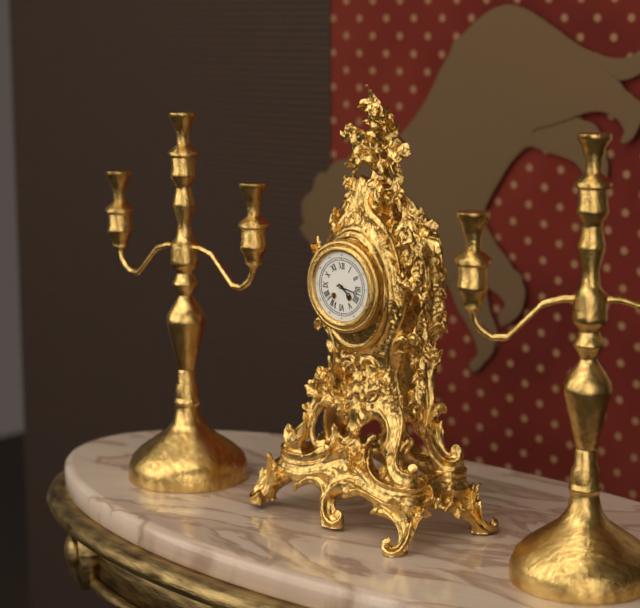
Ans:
4h17
